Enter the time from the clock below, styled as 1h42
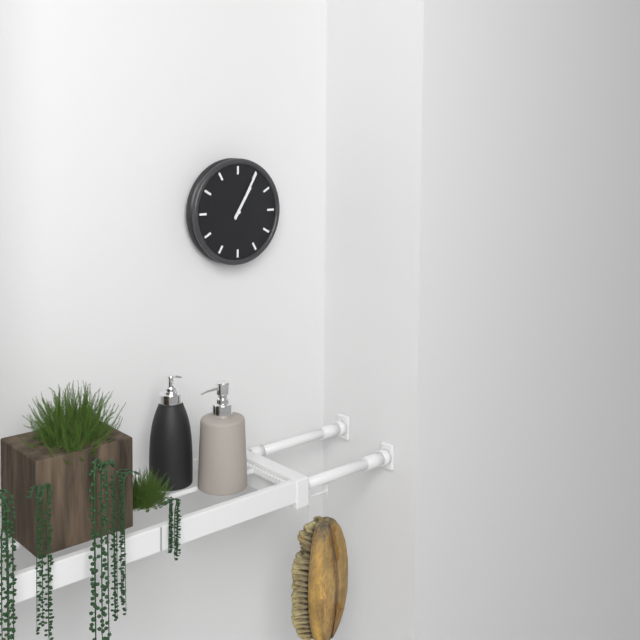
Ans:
1h05
